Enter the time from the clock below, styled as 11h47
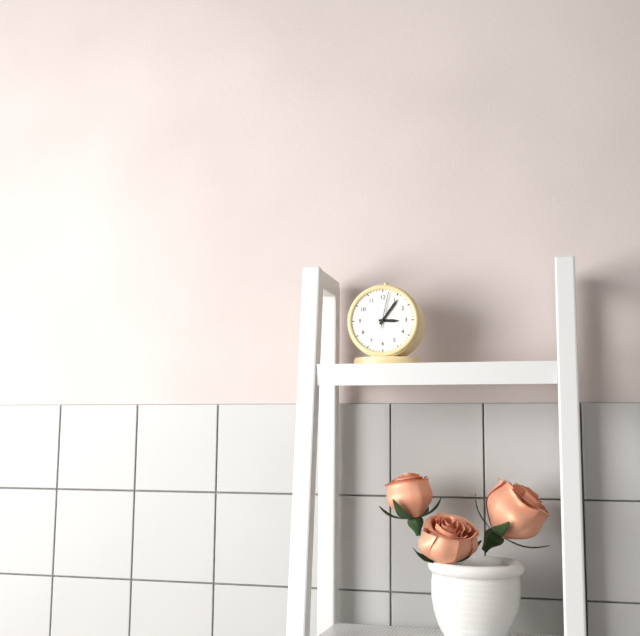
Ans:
3h06
